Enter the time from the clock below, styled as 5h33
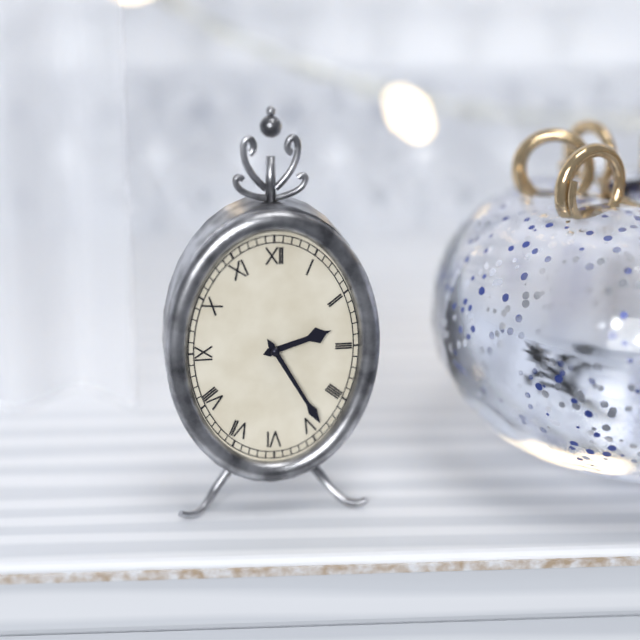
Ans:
2h25
